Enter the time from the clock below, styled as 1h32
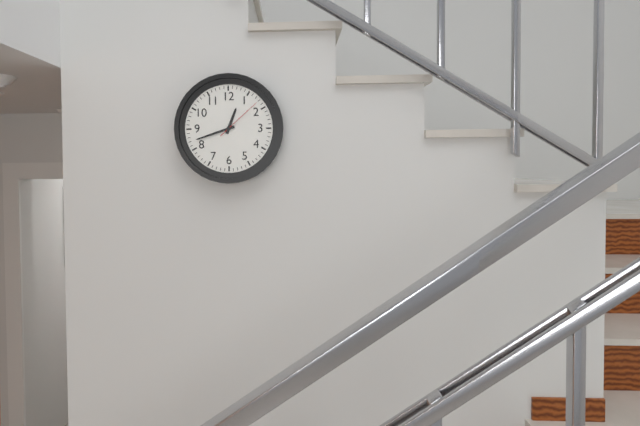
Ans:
12h42
